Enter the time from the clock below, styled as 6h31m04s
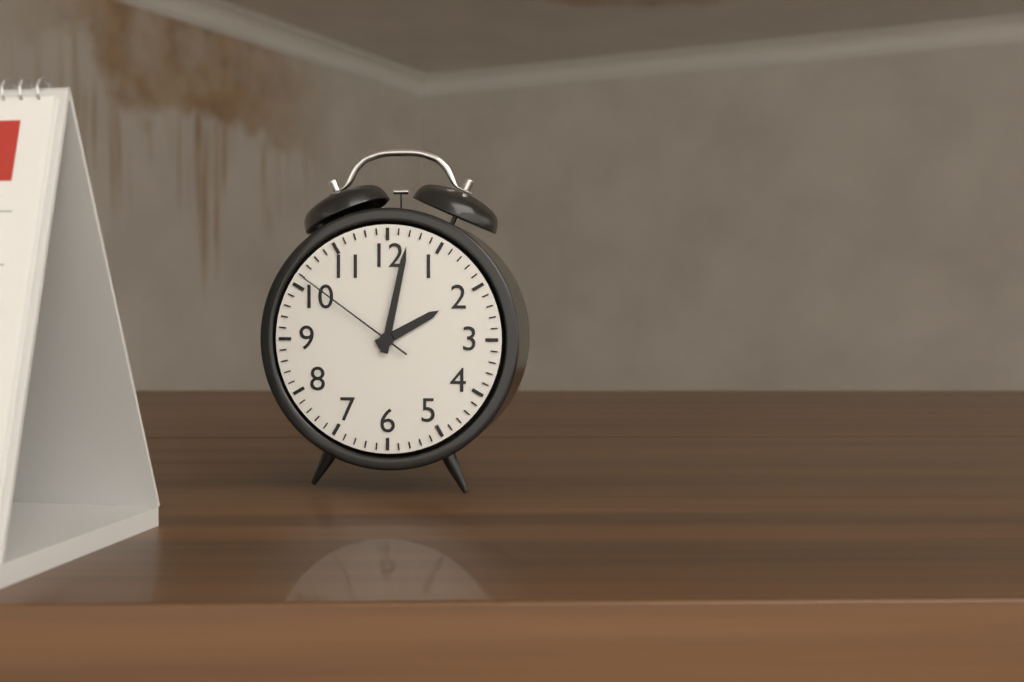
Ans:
2h02m51s
